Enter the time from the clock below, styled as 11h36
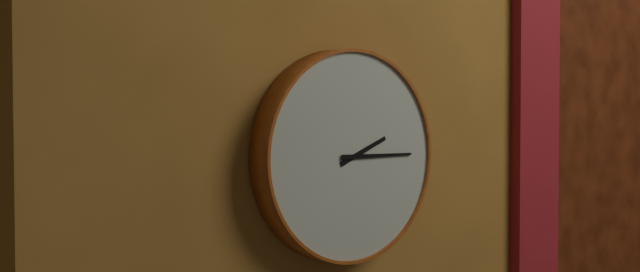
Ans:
2h15
